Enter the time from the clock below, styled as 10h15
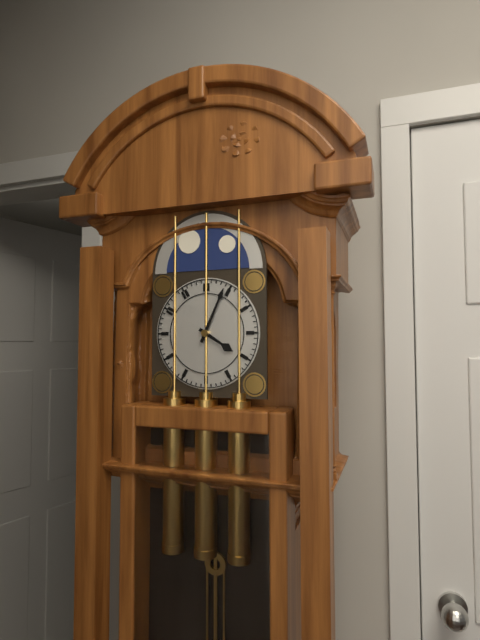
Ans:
4h04
